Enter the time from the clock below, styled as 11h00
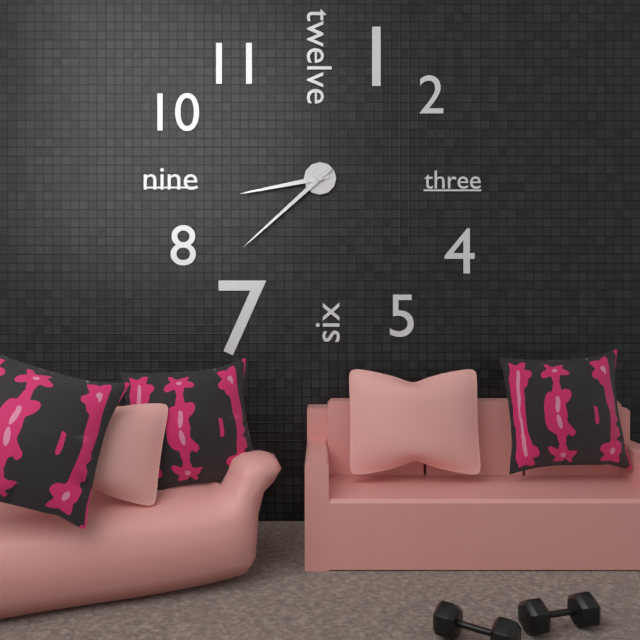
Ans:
8h38
